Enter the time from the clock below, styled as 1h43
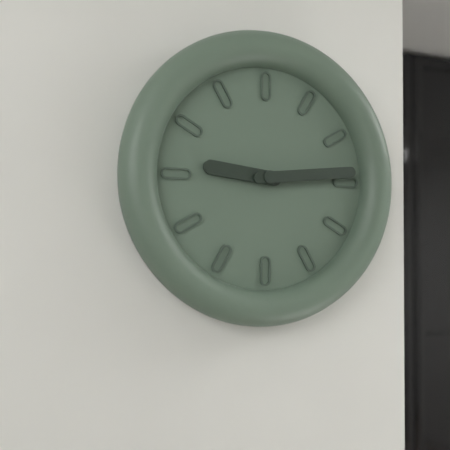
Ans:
9h14
